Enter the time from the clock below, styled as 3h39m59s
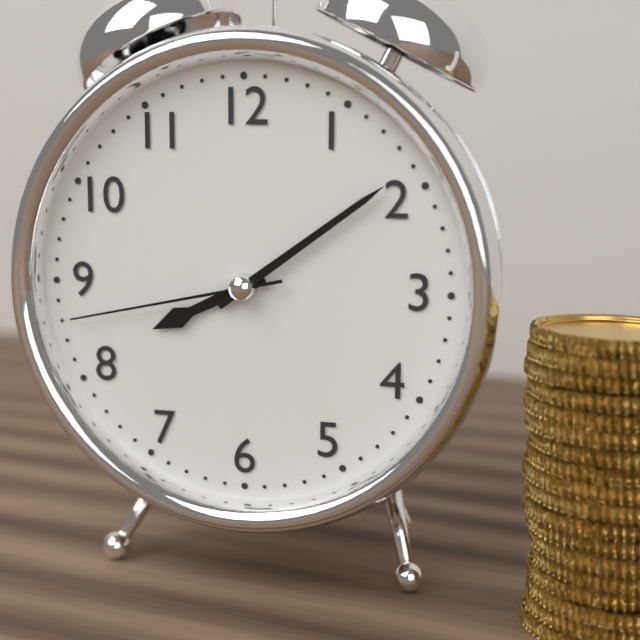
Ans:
8h09m43s
